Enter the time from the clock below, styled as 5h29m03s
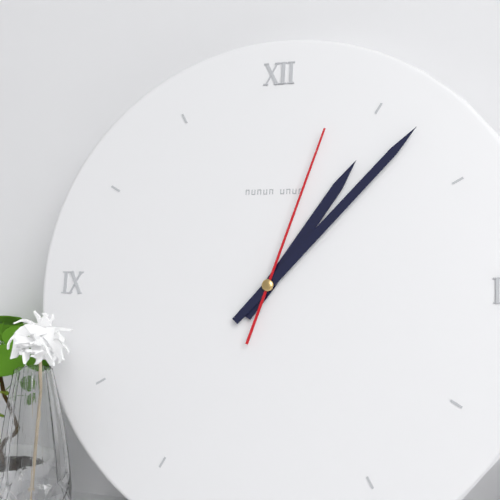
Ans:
1h07m03s
